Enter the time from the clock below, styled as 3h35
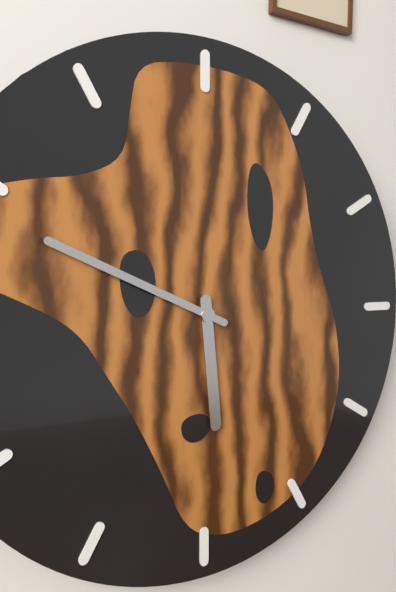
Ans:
5h49
